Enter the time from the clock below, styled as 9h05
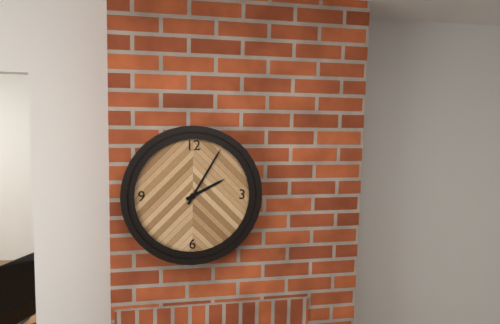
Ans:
2h05
